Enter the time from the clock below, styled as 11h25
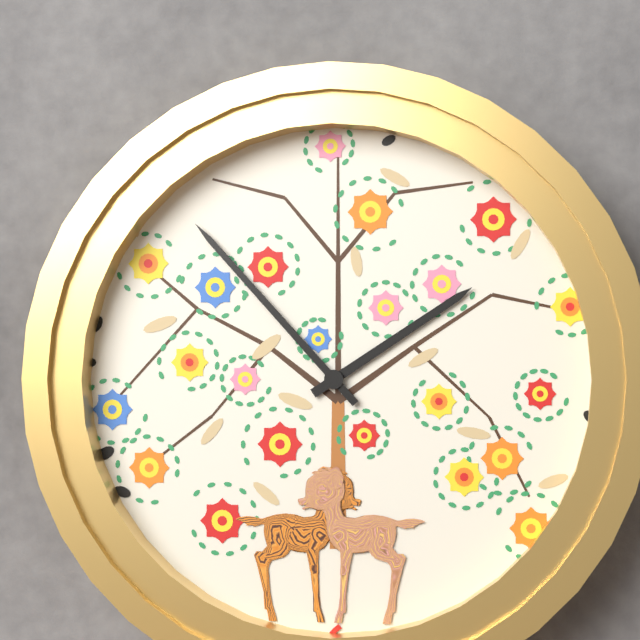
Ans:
1h53
